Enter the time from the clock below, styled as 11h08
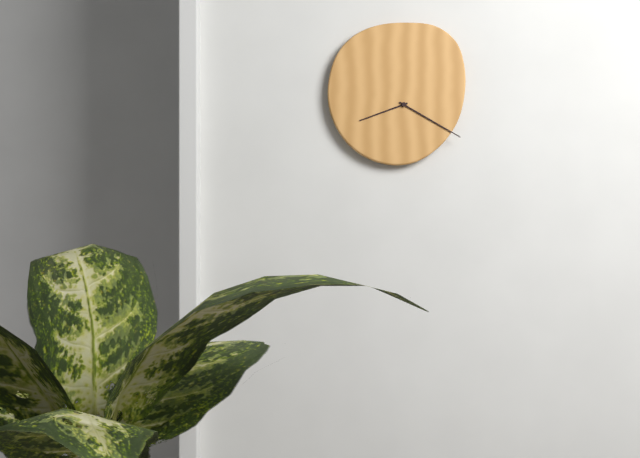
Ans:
8h20
